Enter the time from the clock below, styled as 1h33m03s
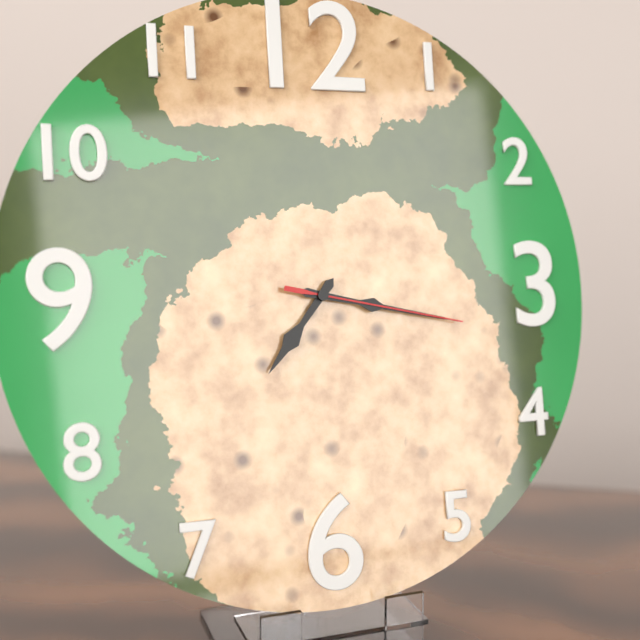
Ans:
7h17m17s
